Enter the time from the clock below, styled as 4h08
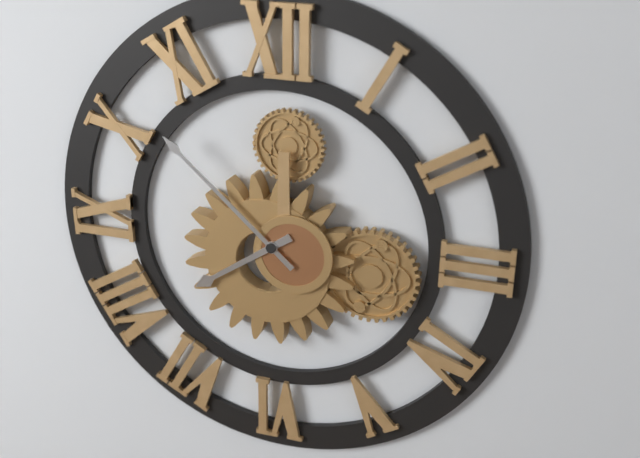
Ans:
7h52
